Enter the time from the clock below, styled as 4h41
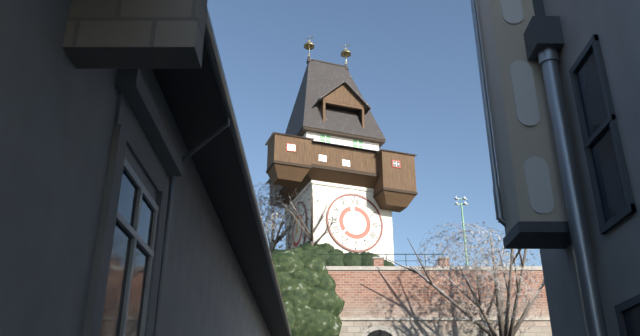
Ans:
11h38
